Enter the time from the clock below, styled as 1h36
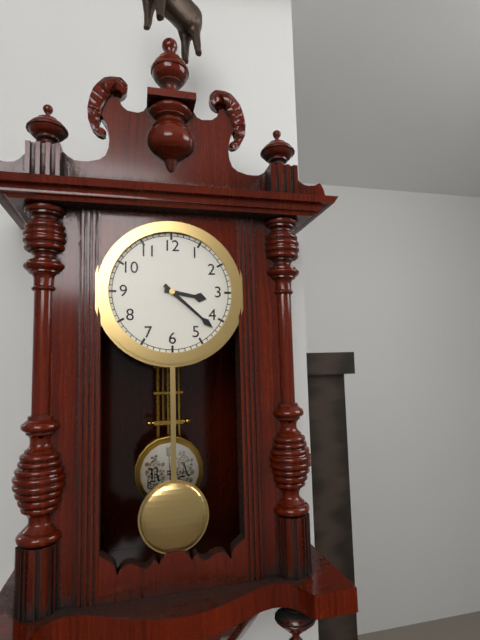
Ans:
3h22
